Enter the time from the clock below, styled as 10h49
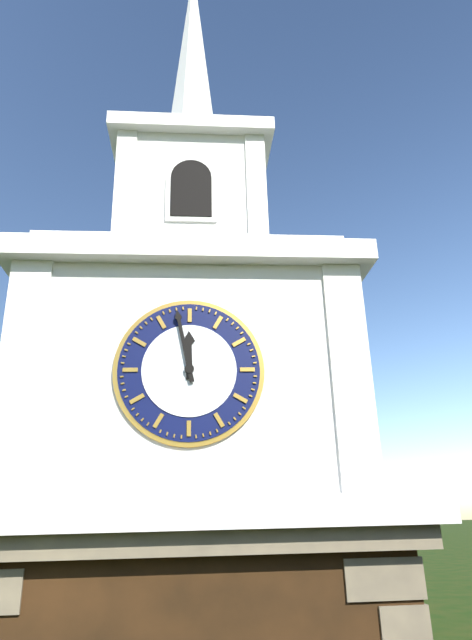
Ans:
11h58
